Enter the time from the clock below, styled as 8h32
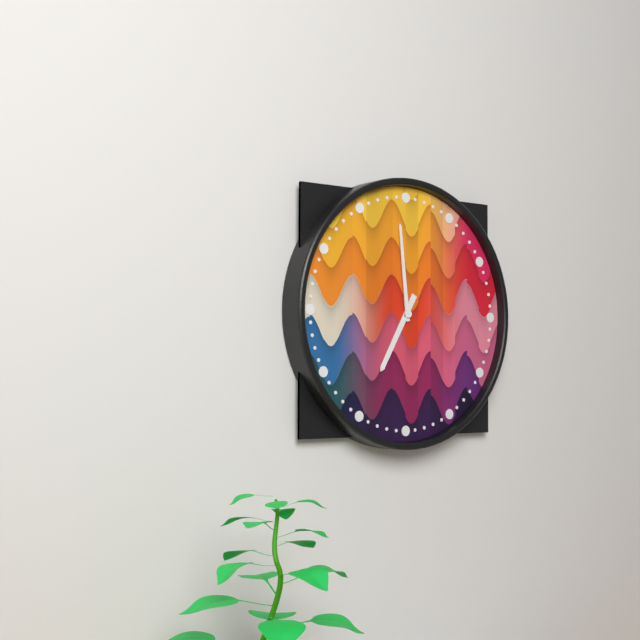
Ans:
6h59
